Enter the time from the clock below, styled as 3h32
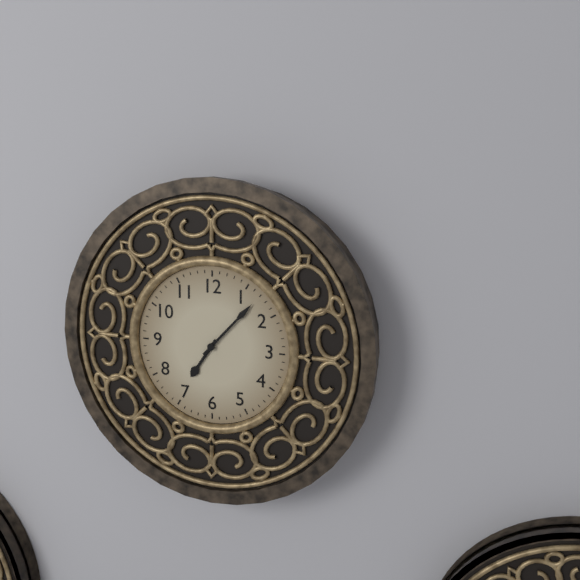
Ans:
7h07
